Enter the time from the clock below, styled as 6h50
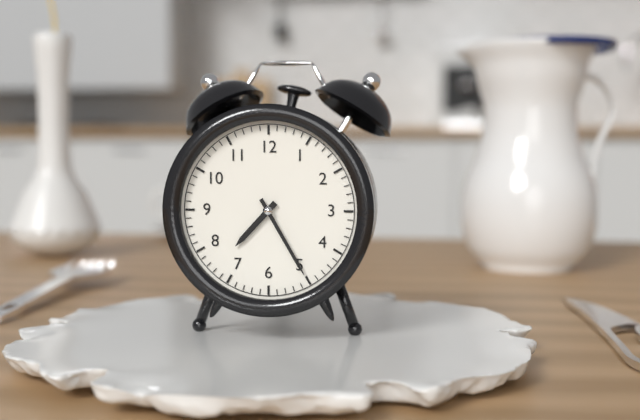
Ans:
7h25
